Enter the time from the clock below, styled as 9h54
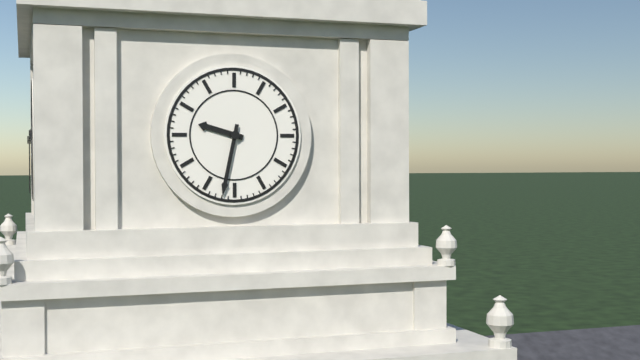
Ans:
9h32
